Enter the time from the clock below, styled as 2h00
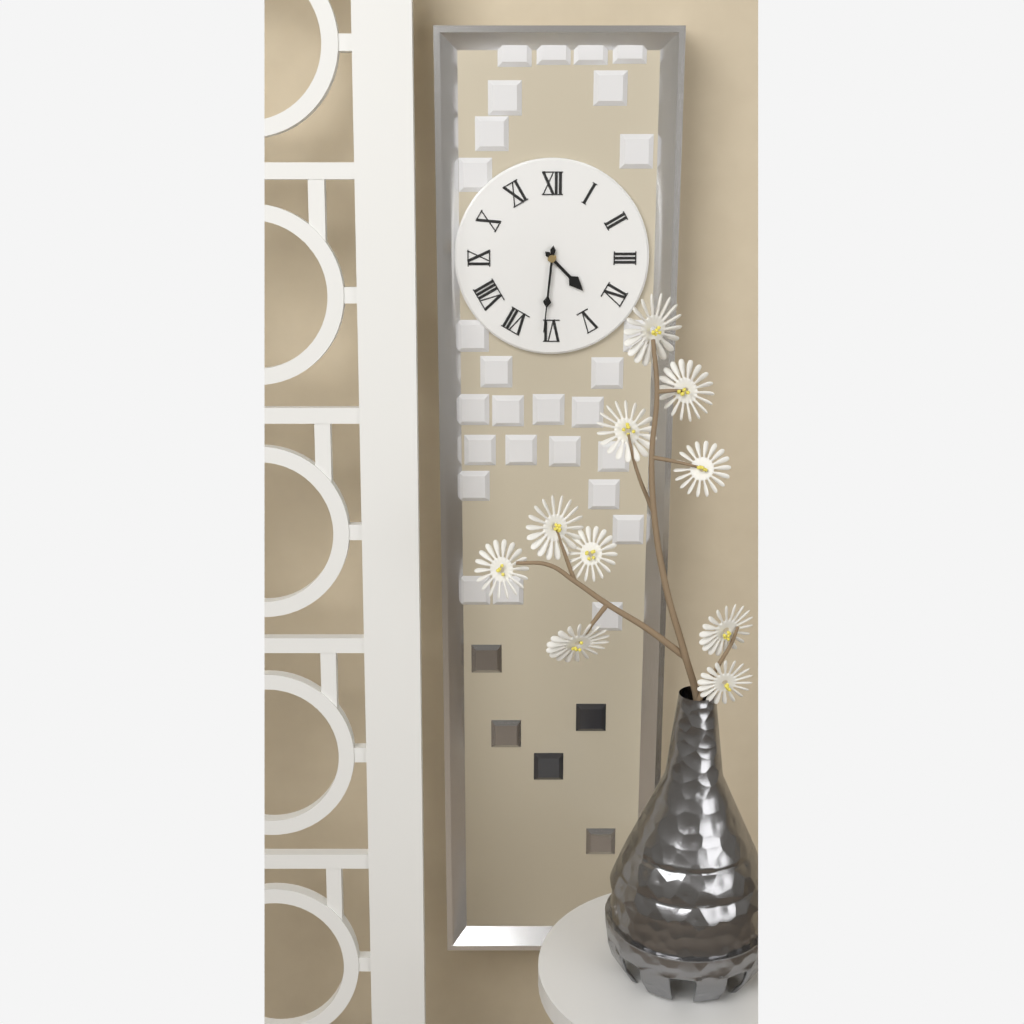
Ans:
4h31
